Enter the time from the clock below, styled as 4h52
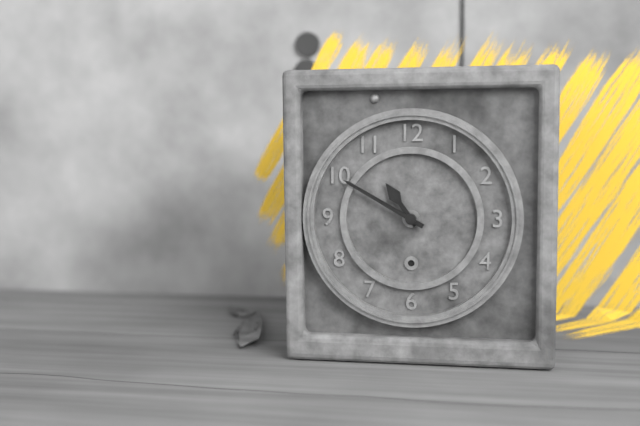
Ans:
10h50
